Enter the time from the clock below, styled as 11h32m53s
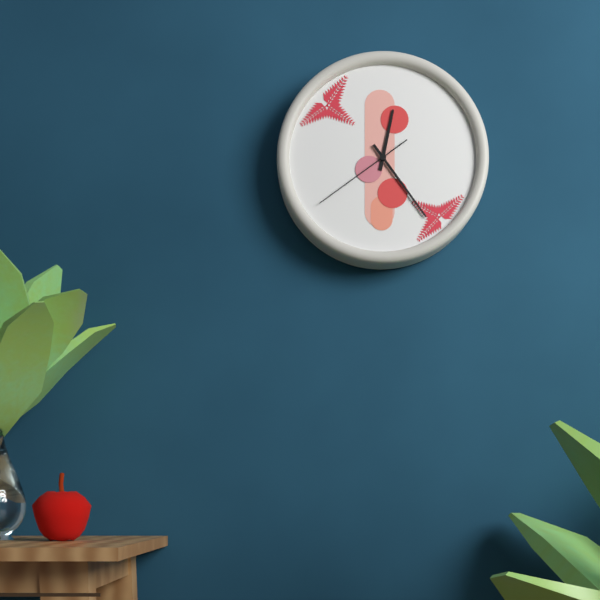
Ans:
12h24m39s
